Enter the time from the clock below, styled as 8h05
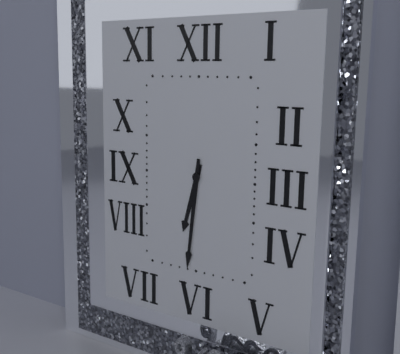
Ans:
6h31
